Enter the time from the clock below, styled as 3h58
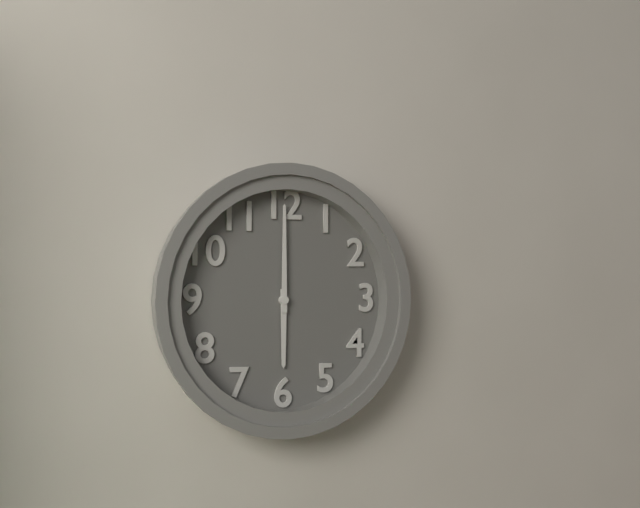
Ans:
6h00
